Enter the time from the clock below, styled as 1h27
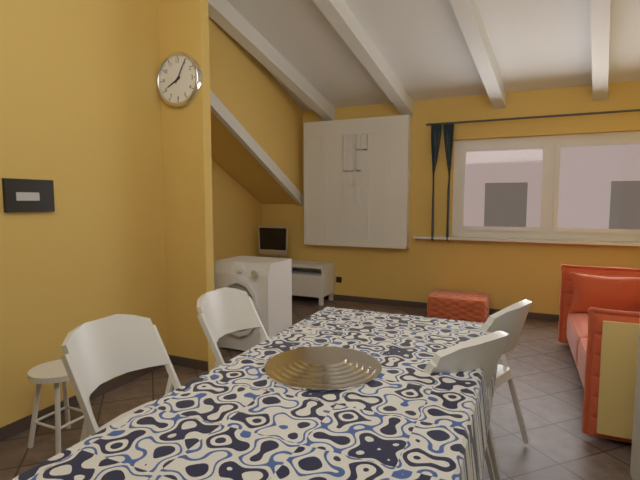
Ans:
8h05
